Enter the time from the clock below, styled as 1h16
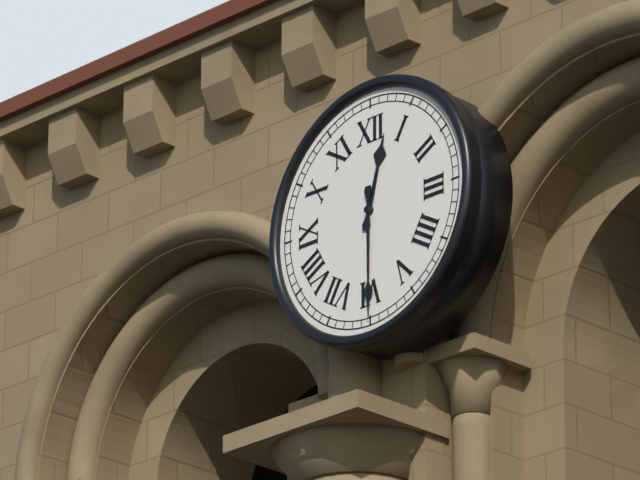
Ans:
12h30
